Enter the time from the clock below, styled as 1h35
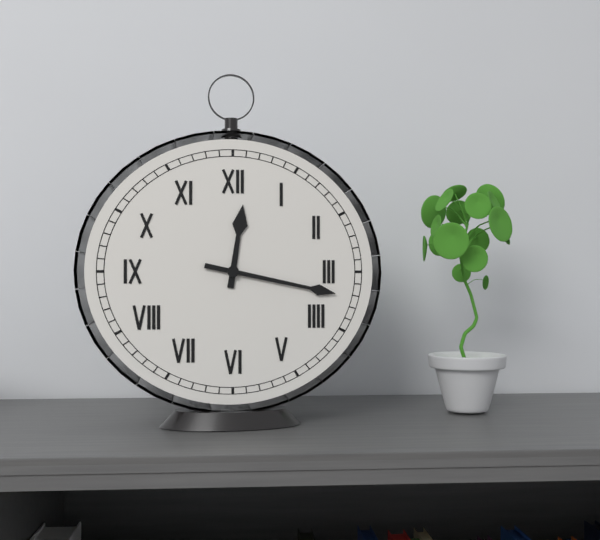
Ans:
12h17
